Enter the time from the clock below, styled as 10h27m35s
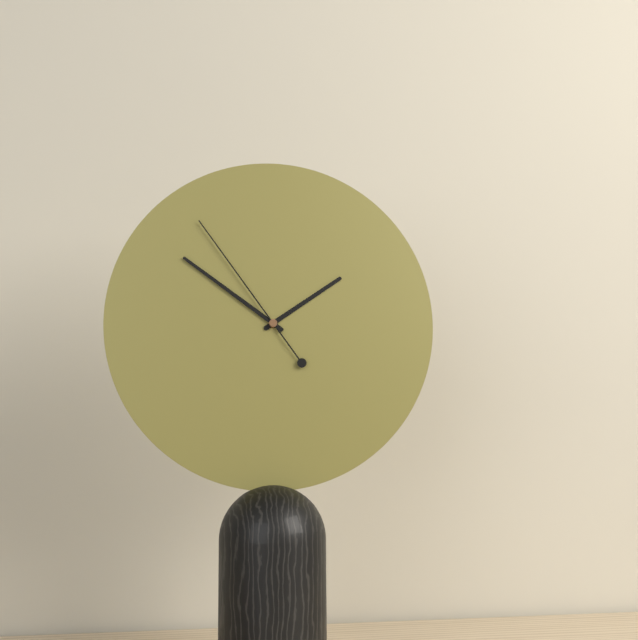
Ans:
1h51m54s
